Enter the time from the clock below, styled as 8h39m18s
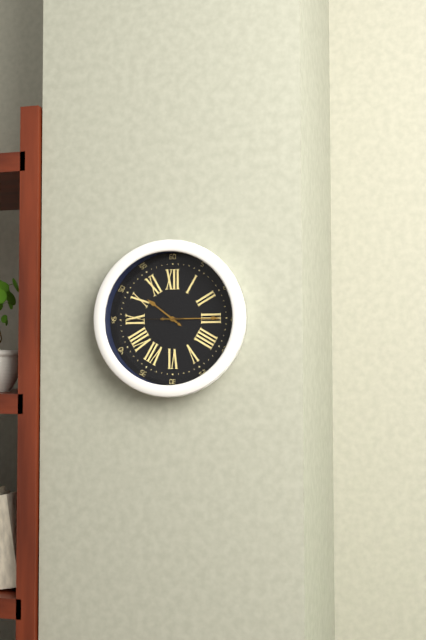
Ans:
10h15m45s
